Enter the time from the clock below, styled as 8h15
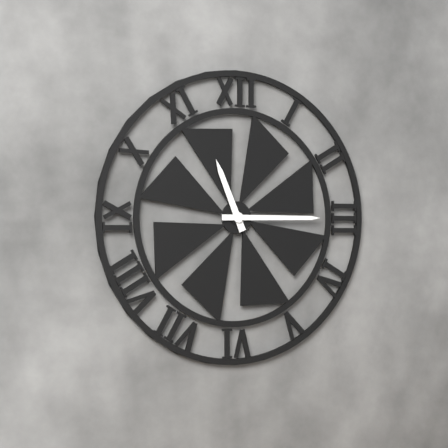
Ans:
11h15
